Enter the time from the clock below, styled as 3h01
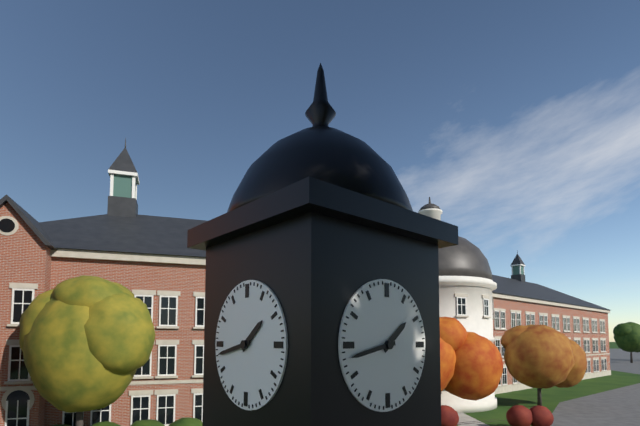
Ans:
1h43
